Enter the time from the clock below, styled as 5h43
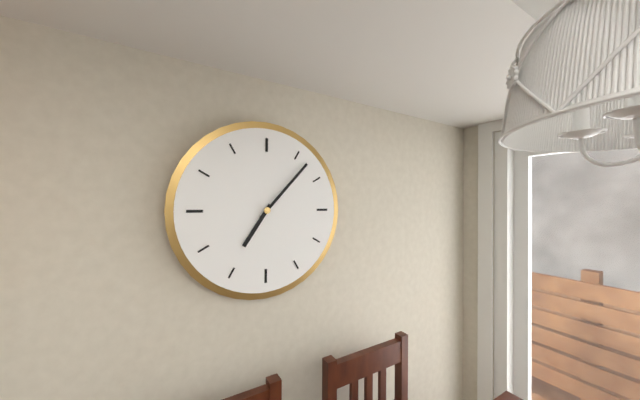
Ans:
7h07
